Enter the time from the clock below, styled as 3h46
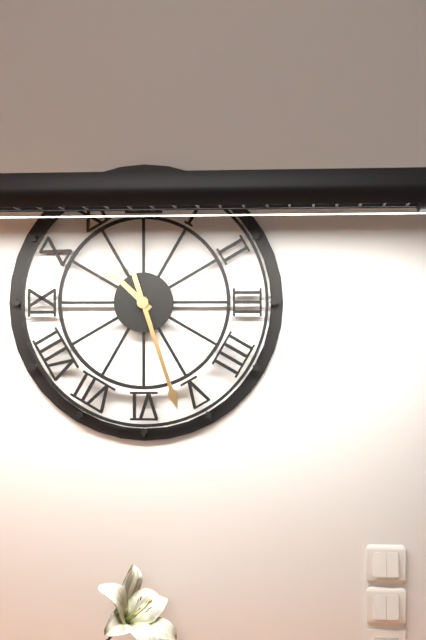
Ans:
10h27
